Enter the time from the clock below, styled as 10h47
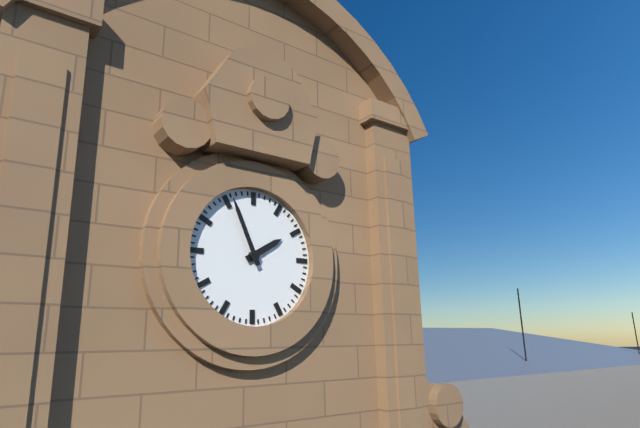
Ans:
1h56
